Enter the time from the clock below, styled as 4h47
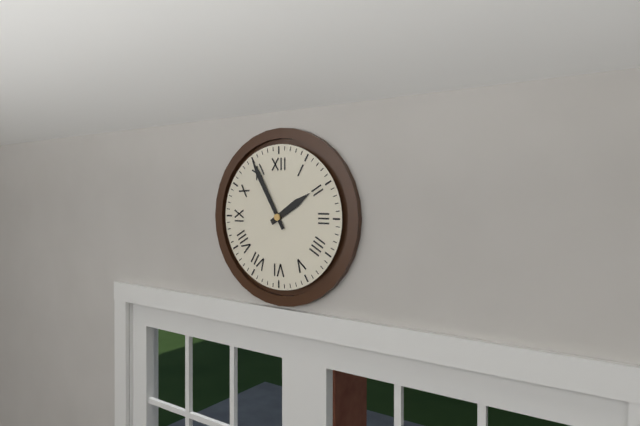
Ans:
1h55
